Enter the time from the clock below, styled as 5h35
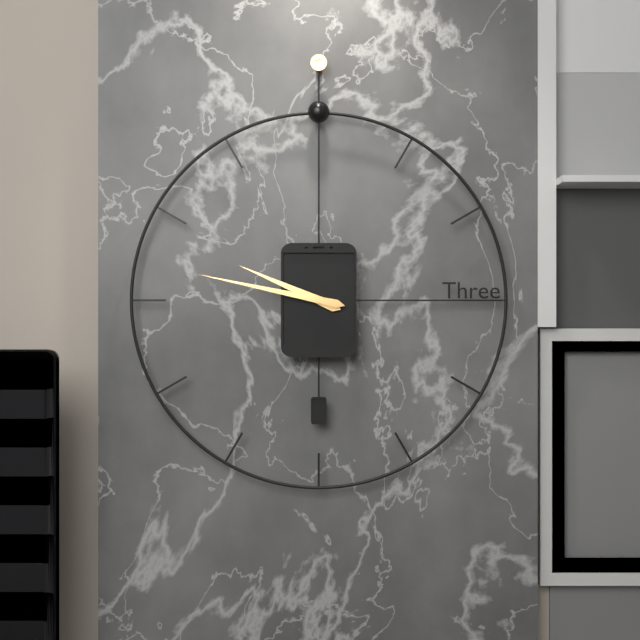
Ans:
9h47
